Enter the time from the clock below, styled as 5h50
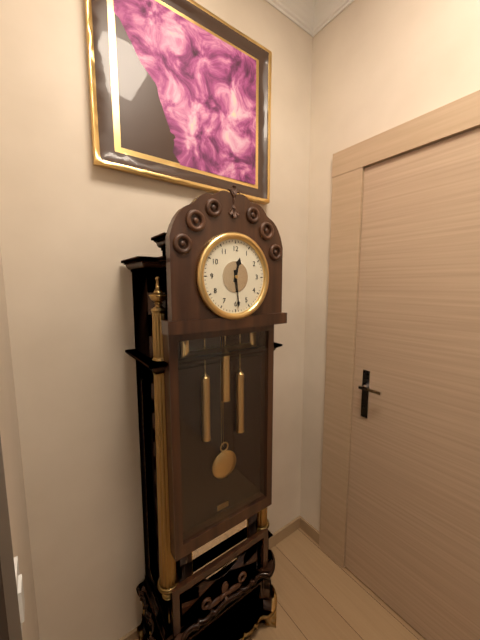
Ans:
12h29
